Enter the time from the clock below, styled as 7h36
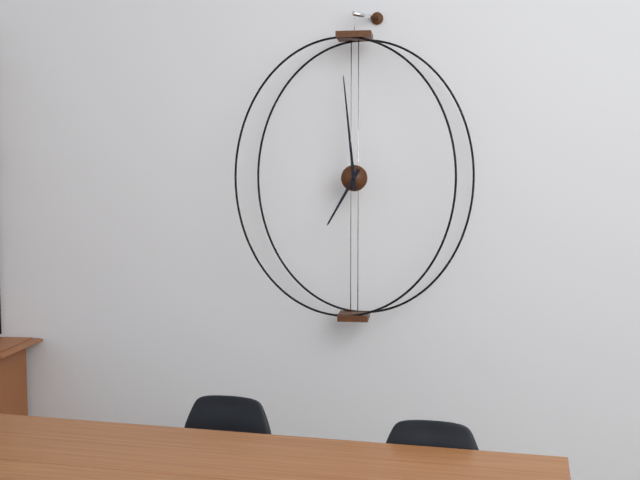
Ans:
6h59
